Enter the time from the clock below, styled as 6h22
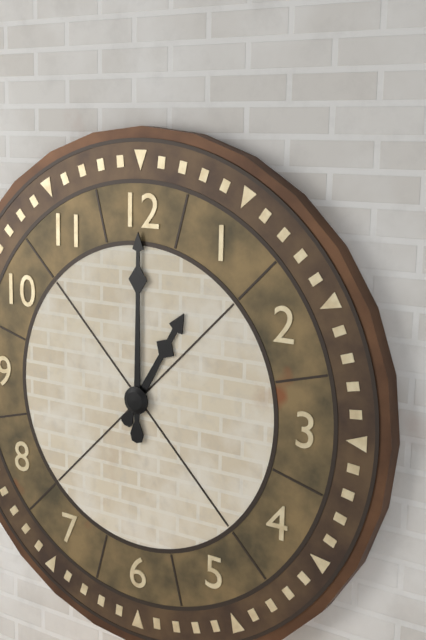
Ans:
1h00
